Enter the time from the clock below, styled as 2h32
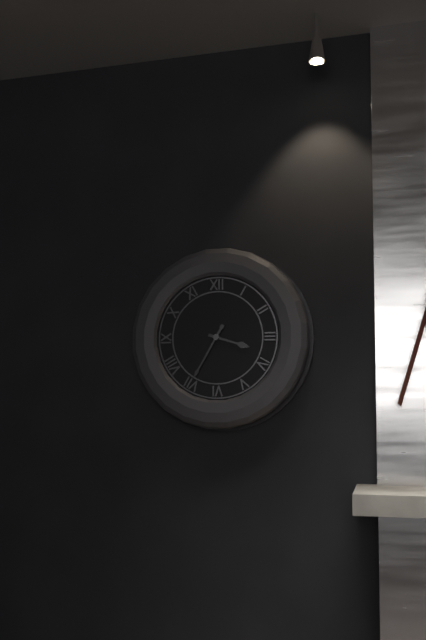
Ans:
3h35
